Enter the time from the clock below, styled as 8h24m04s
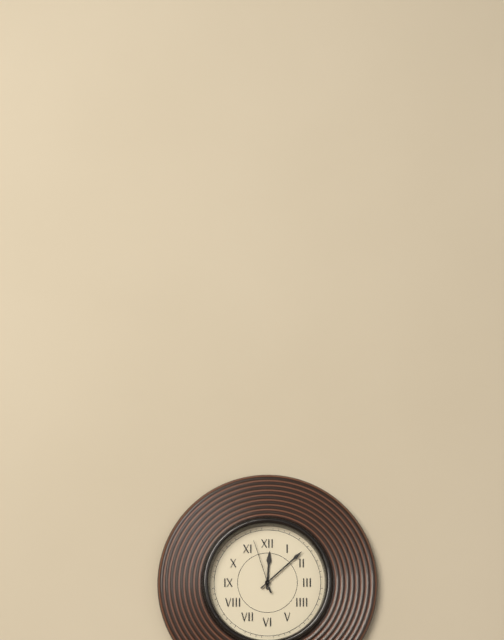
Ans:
12h08m57s
